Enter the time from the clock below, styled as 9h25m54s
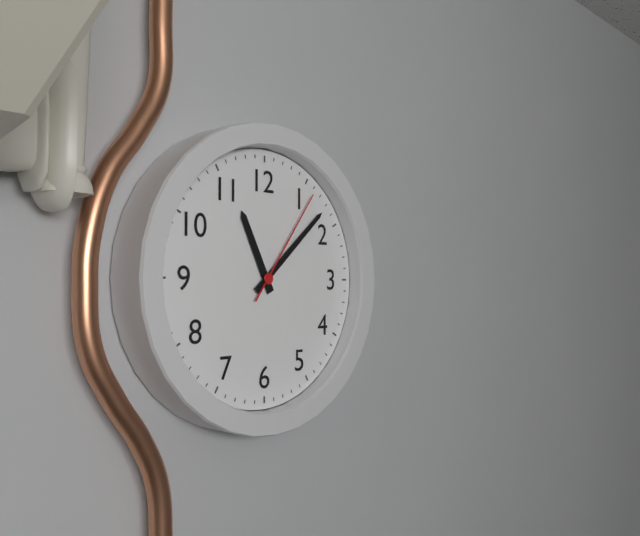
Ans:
11h08m06s
